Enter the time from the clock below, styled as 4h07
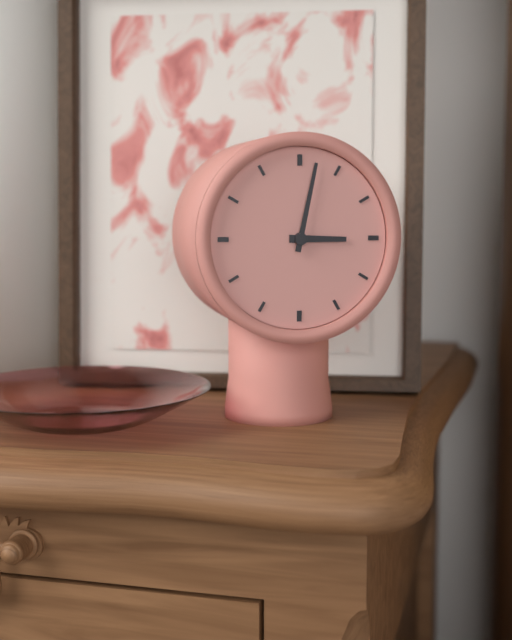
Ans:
3h02
